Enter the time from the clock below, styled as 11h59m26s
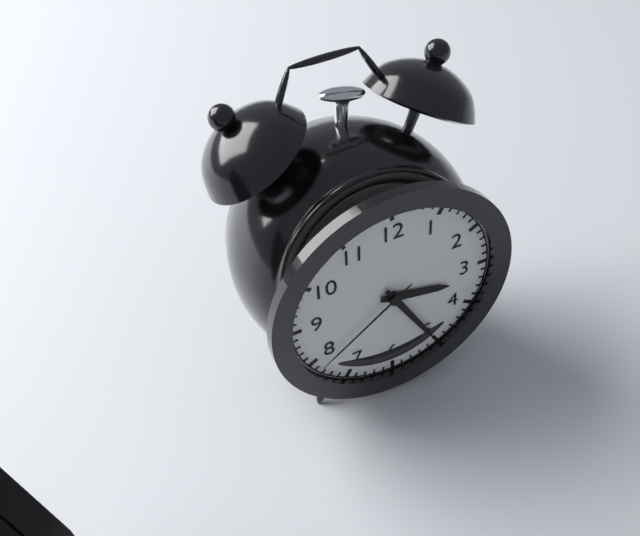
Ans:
3h25m39s
